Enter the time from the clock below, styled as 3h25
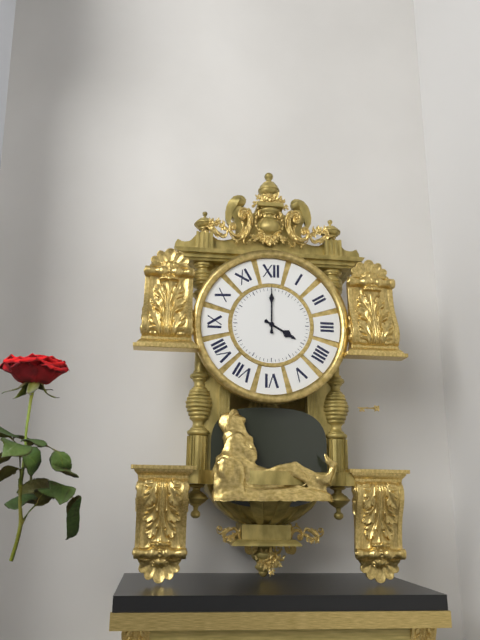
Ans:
4h00
